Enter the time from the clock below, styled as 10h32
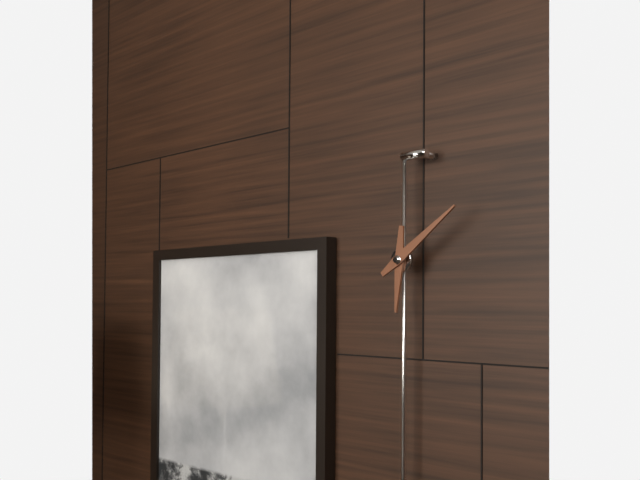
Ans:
6h09
